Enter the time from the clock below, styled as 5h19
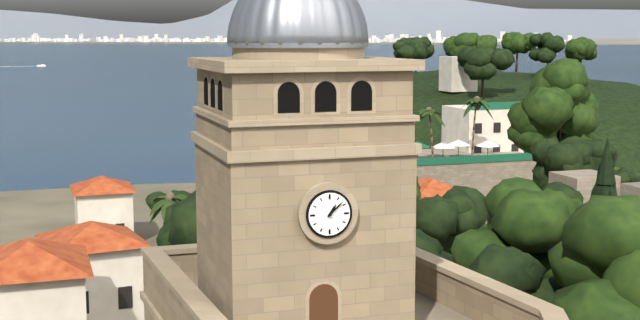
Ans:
1h08
